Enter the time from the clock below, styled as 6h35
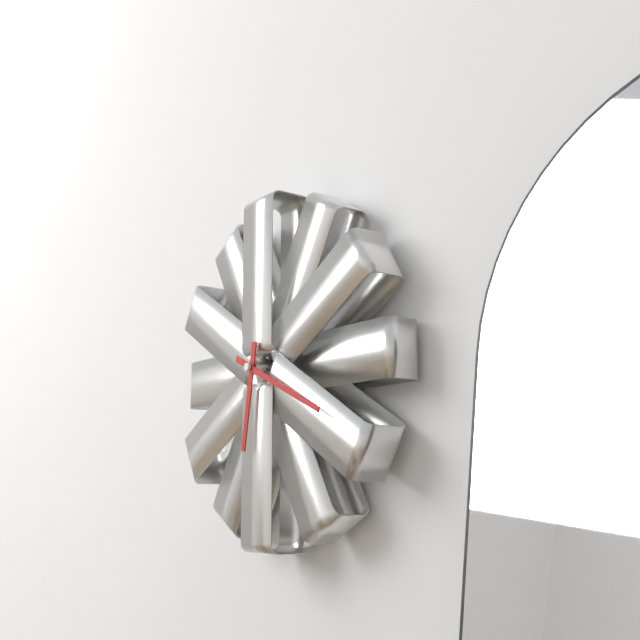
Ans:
6h19
